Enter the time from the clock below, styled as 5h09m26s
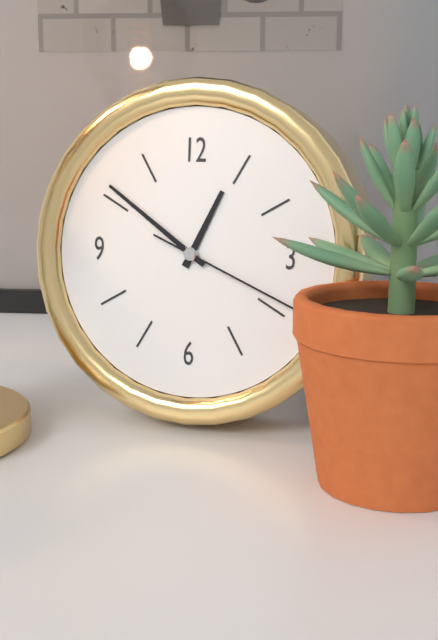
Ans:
12h51m19s
